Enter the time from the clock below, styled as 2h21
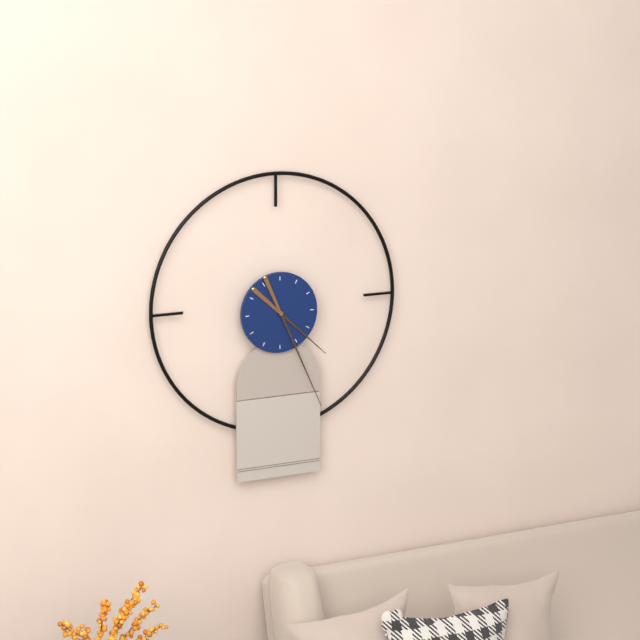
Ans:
4h26
